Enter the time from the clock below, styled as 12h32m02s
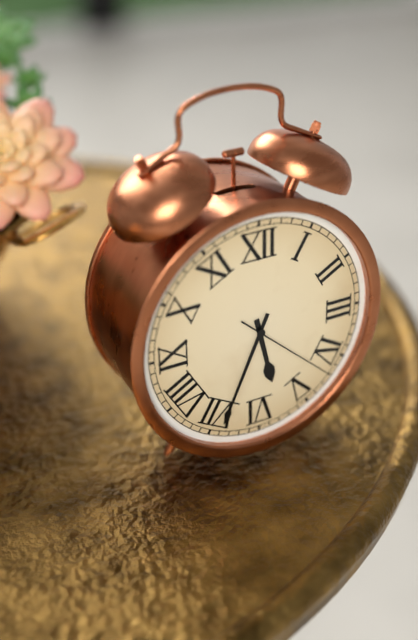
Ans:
5h34m22s
